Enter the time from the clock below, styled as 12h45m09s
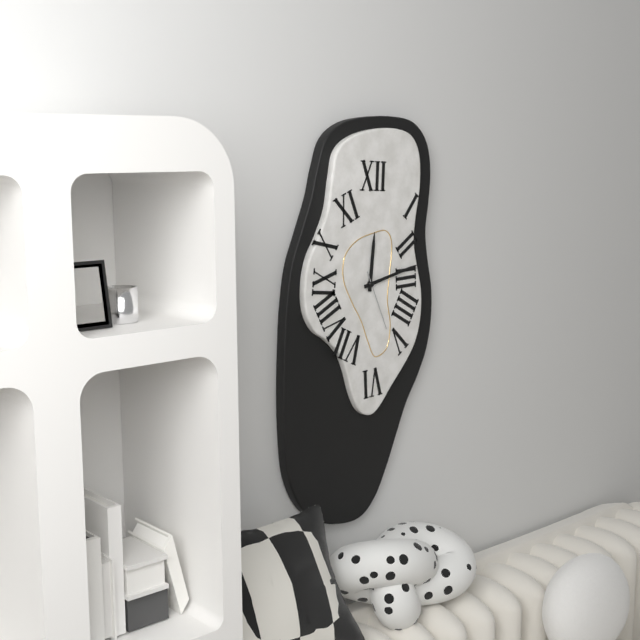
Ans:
12h13m26s
